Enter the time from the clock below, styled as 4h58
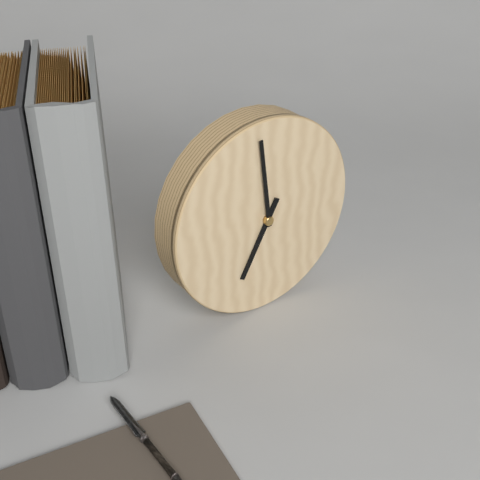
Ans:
6h59
